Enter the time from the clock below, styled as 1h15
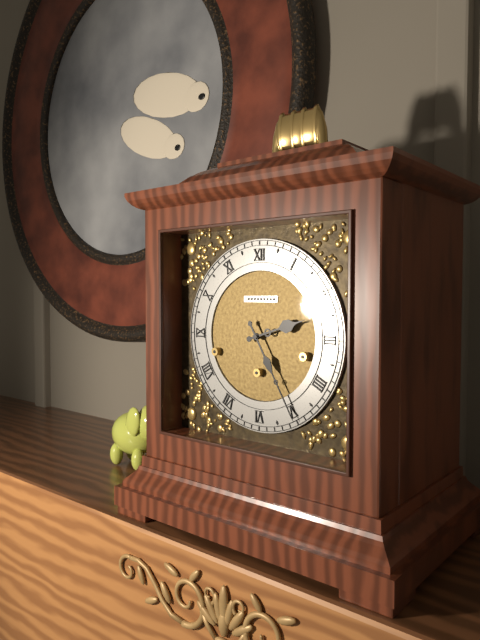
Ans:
2h25
